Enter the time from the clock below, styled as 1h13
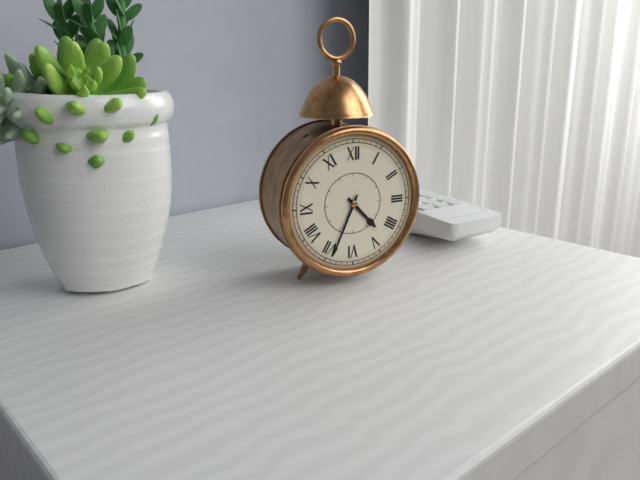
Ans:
4h34
